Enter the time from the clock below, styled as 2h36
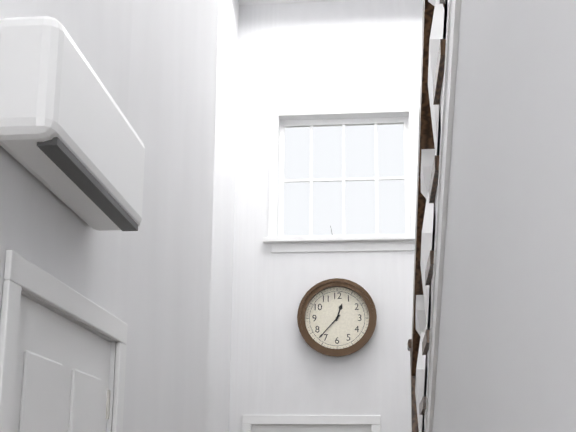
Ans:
12h37
